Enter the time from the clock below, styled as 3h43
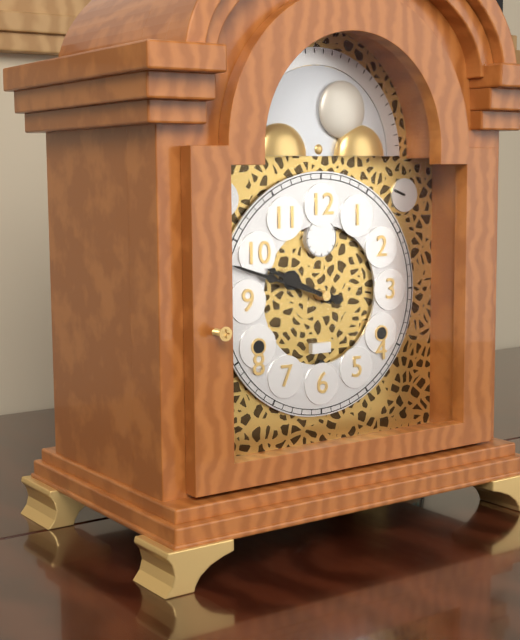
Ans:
9h48
